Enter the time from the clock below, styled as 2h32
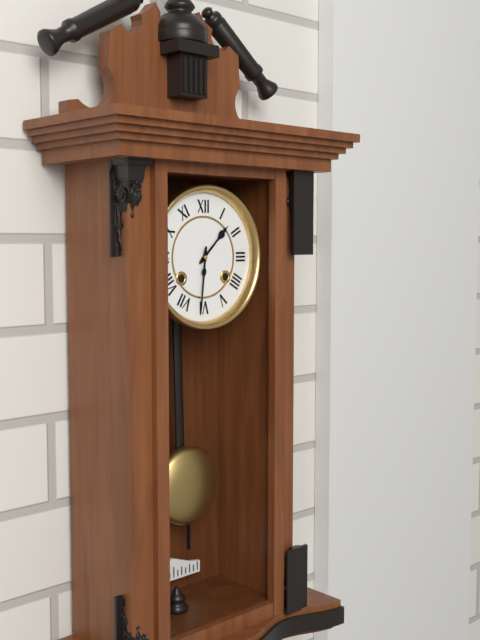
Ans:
1h31
